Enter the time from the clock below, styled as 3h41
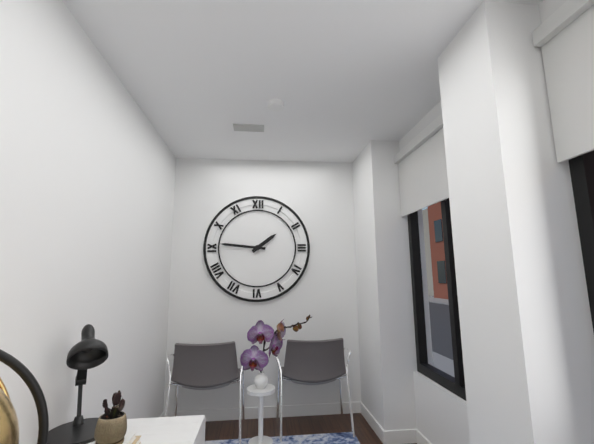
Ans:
1h46
